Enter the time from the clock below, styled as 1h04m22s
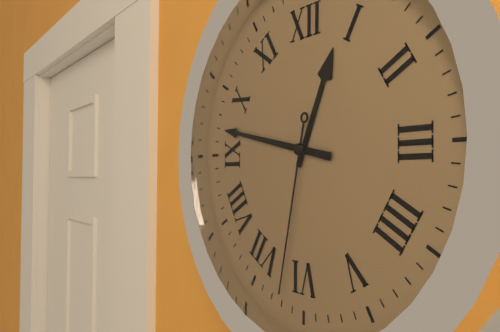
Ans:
12h47m32s
